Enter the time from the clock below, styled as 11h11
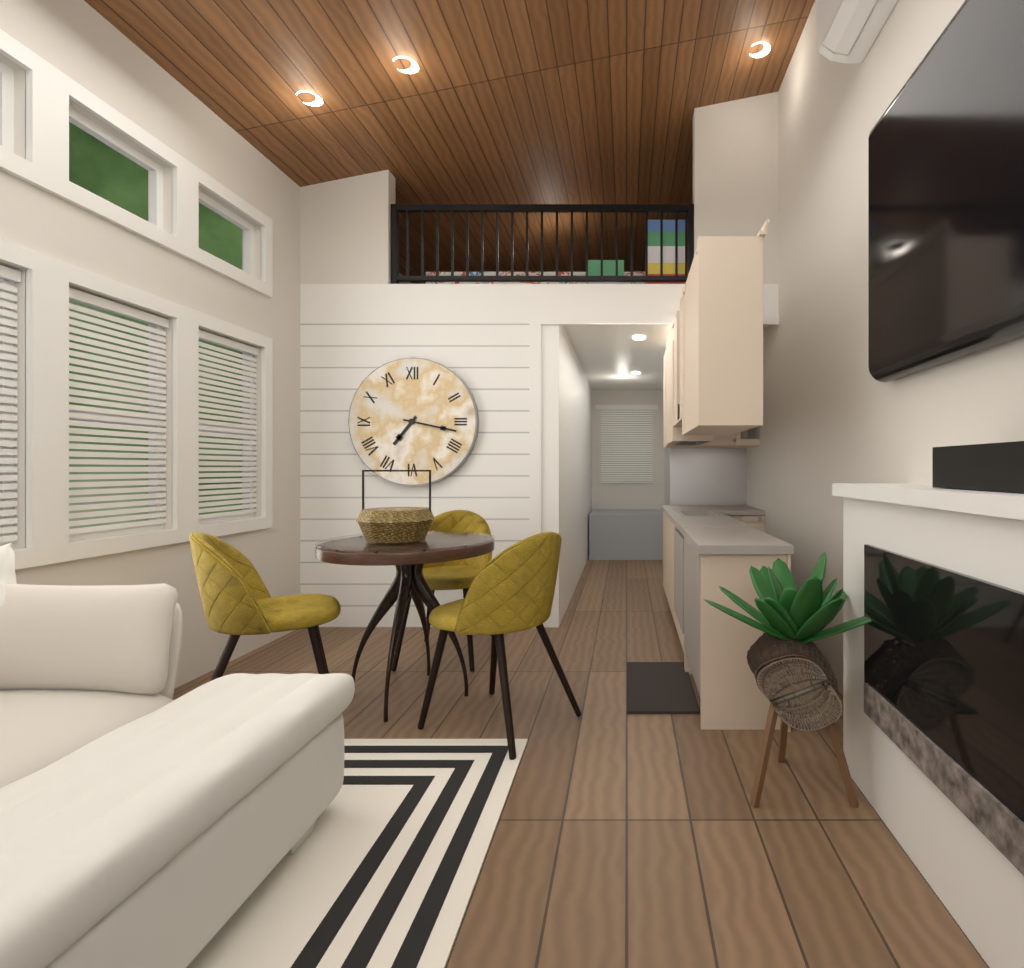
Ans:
7h17
